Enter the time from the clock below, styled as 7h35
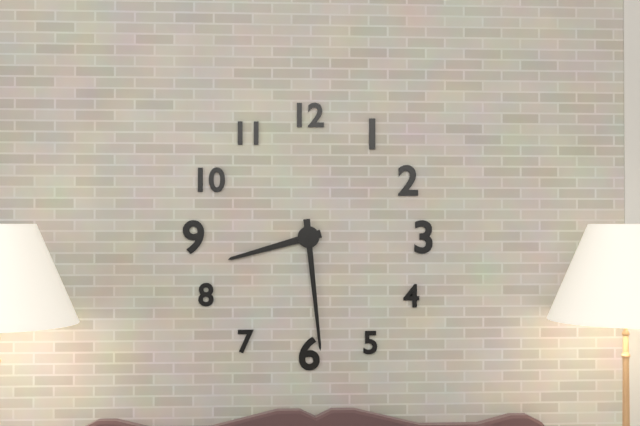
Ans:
8h29
